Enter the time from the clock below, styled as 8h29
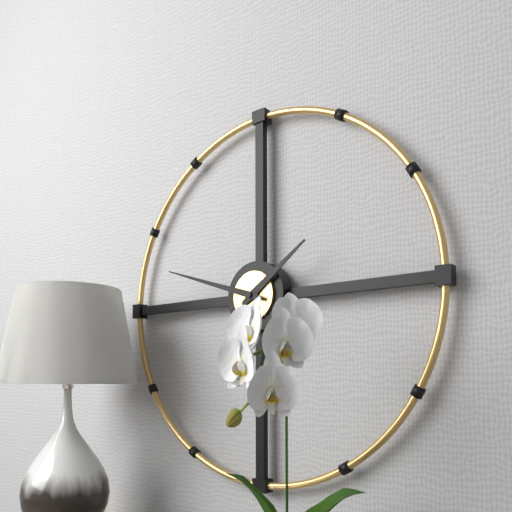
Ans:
1h48
